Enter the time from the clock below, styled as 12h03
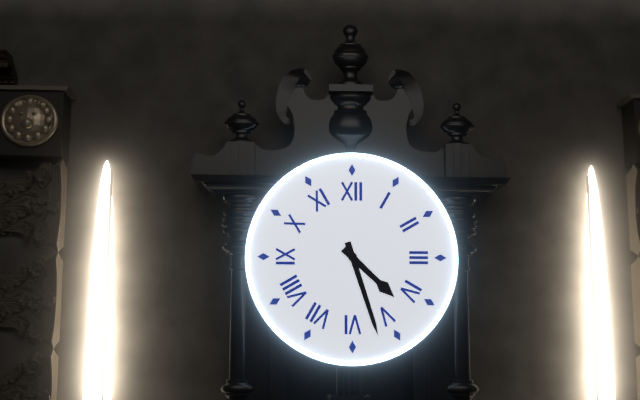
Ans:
4h27
